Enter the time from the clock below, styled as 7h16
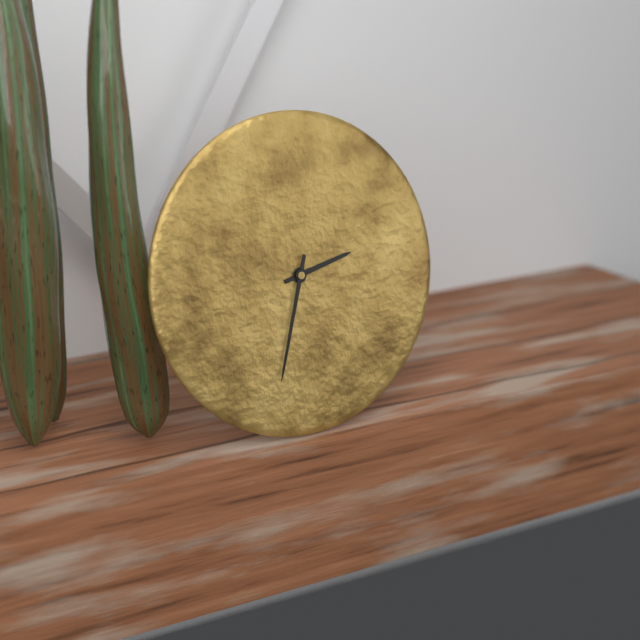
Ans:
2h33
